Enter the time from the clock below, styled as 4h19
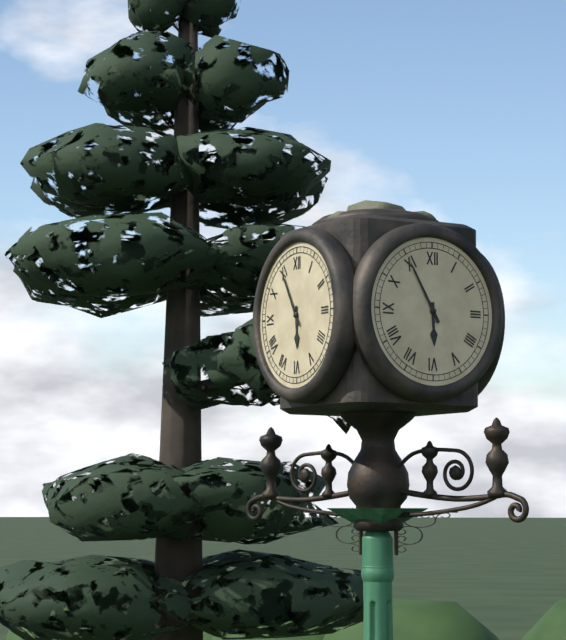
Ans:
5h55
